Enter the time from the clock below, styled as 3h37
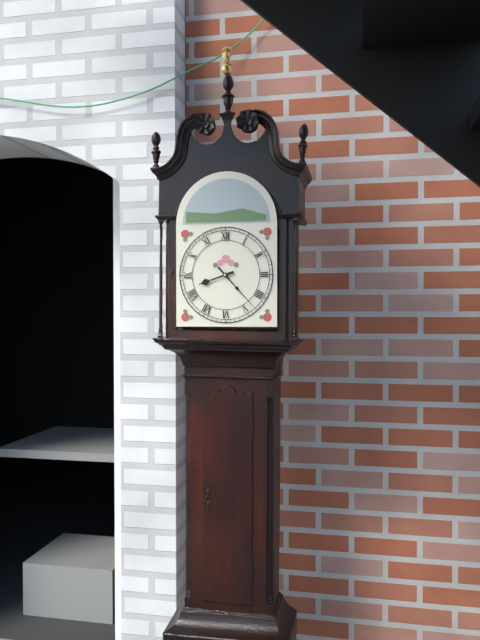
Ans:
8h23
